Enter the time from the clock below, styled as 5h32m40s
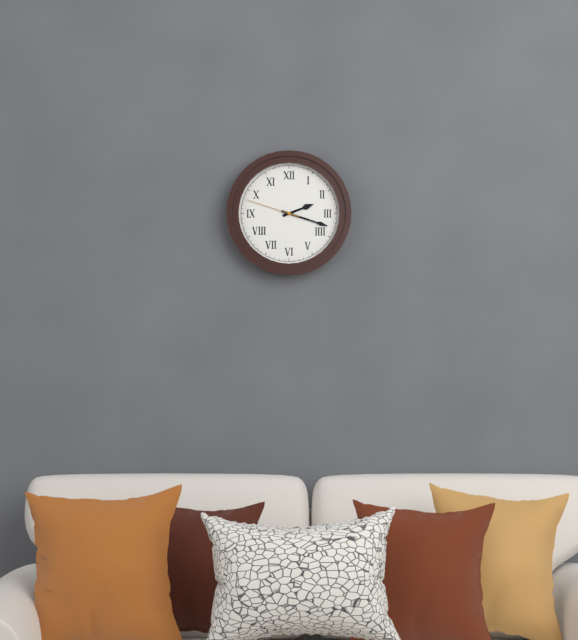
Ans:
2h18m48s
